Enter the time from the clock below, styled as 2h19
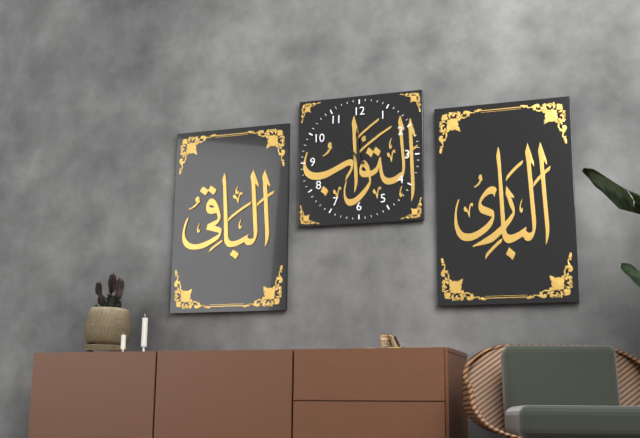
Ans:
11h53
